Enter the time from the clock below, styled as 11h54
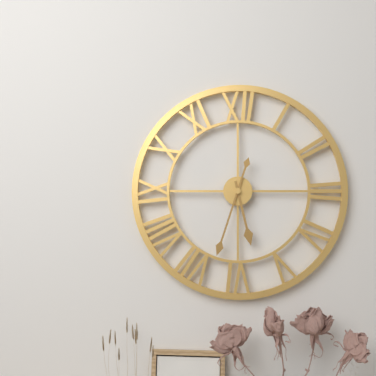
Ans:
5h33
